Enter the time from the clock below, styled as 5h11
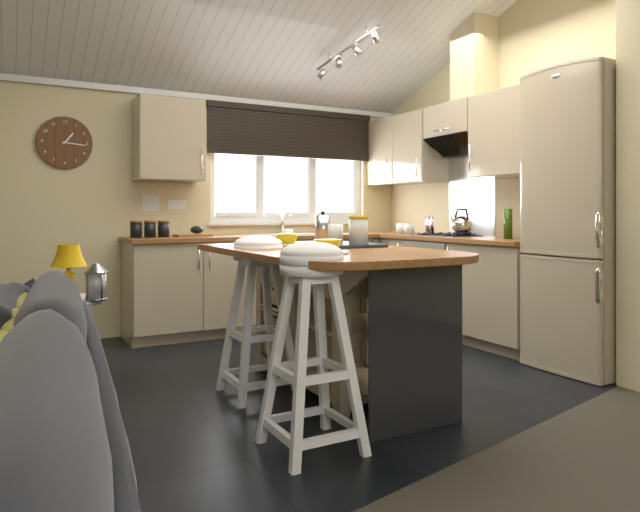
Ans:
1h16
